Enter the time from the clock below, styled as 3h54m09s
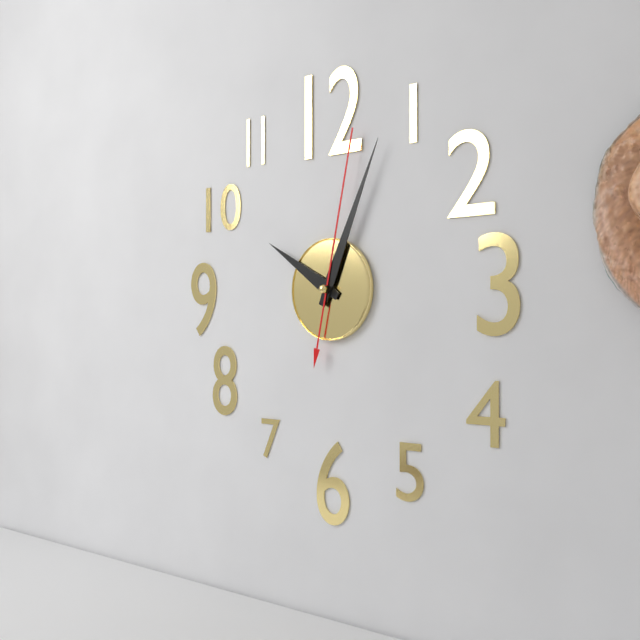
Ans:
10h04m02s
